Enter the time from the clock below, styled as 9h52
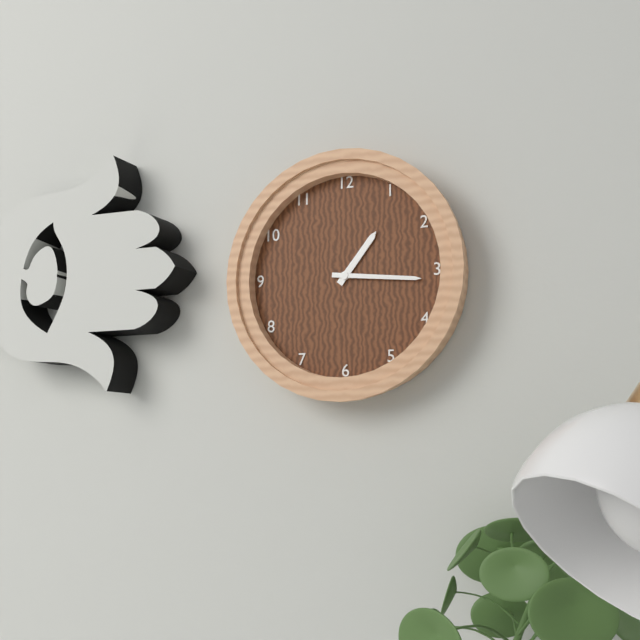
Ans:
1h16
